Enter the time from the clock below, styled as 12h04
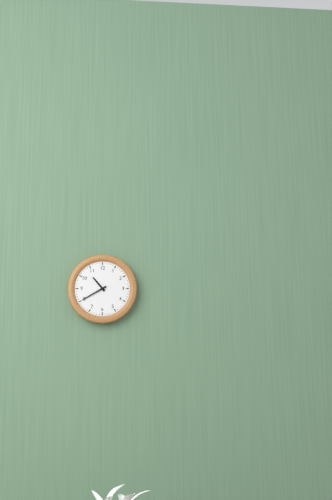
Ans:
10h40
